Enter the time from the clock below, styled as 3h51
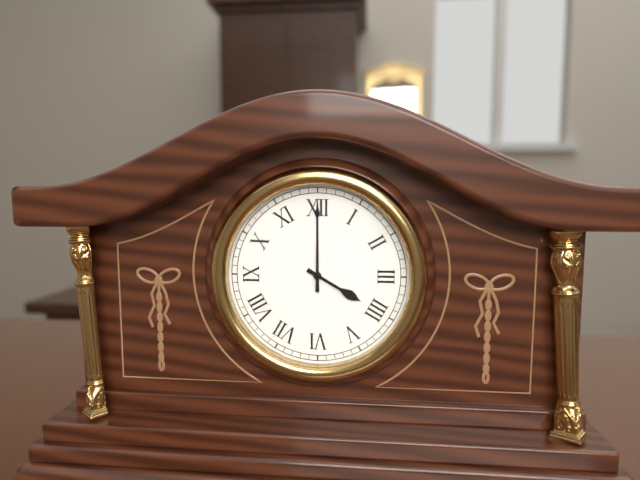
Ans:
4h00
